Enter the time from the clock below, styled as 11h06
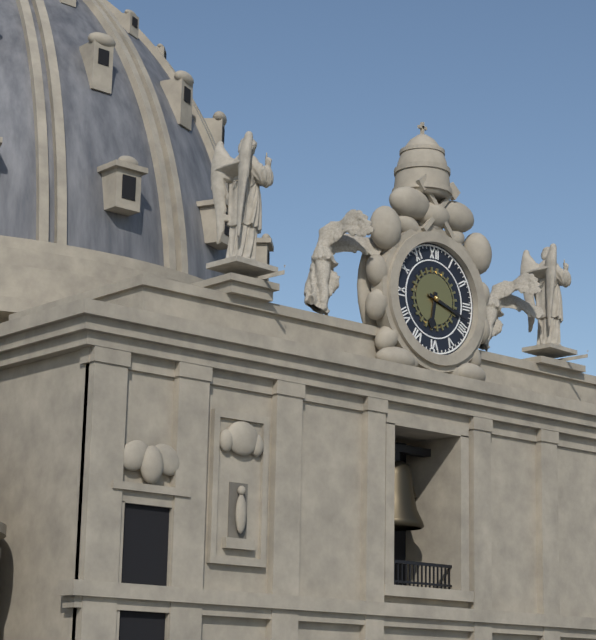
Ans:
6h18
